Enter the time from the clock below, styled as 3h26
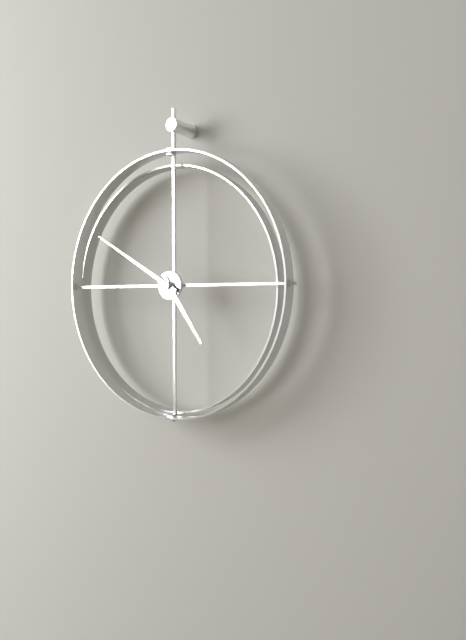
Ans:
4h50
